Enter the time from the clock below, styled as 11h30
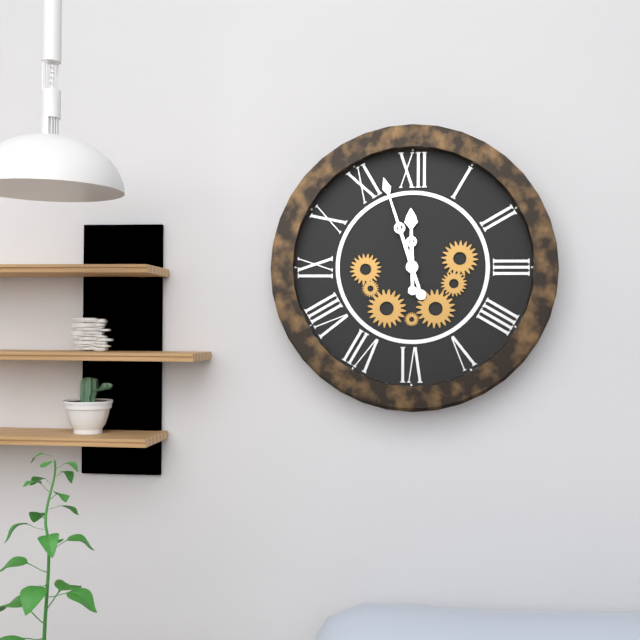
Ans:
11h57
